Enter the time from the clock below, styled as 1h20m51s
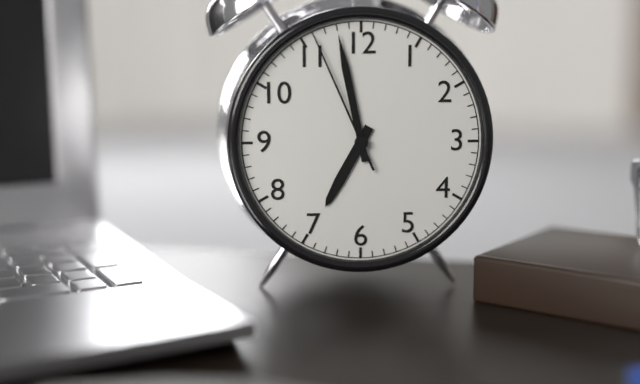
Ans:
6h58m56s
